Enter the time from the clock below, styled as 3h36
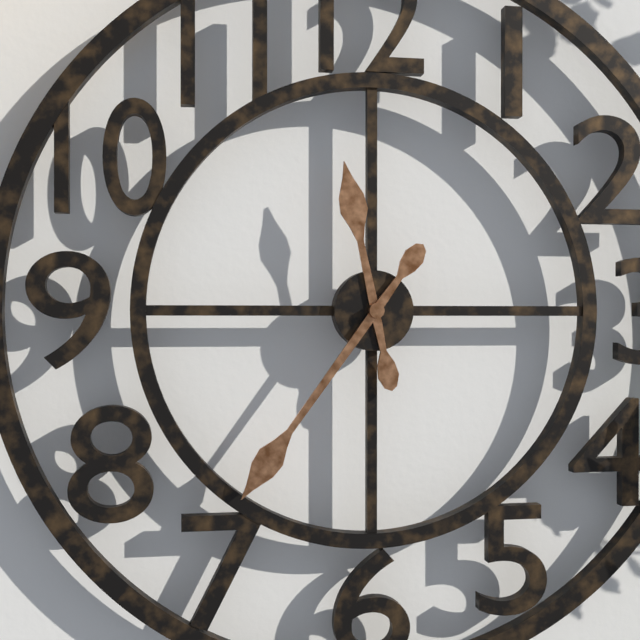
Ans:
11h36
